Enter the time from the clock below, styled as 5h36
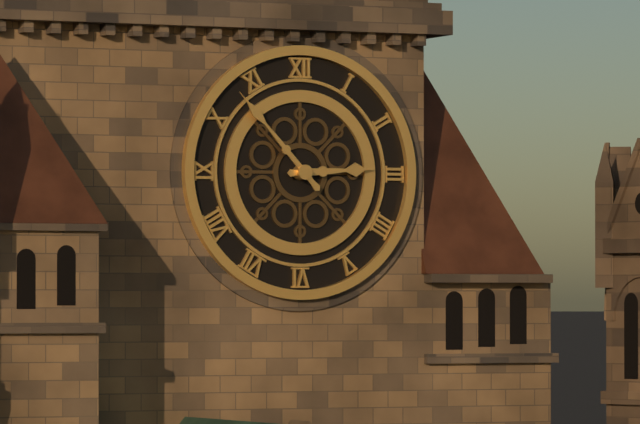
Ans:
2h53
